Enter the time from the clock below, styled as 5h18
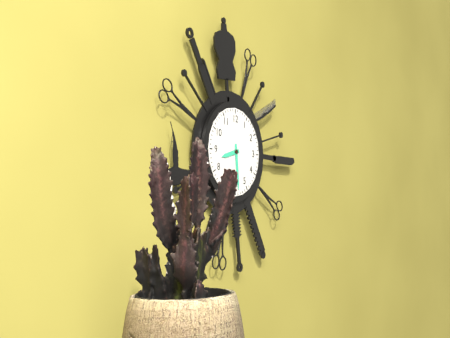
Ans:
8h29
